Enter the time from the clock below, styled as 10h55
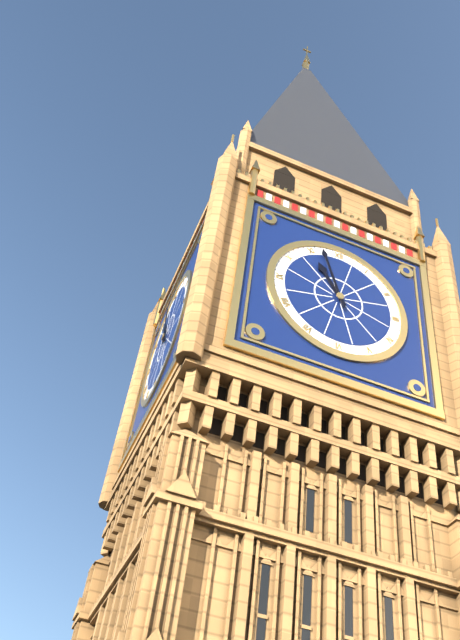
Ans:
10h57
